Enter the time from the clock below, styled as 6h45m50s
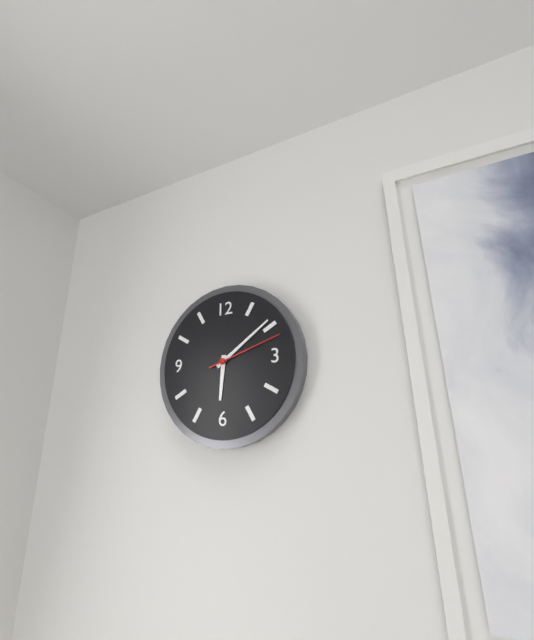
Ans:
6h09m12s
